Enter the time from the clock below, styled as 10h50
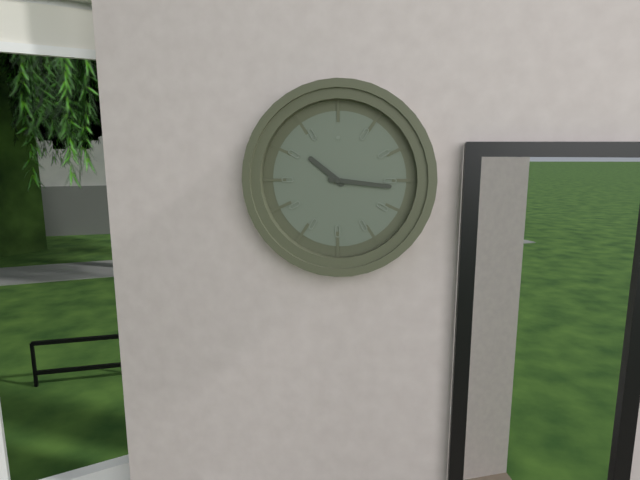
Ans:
10h16
